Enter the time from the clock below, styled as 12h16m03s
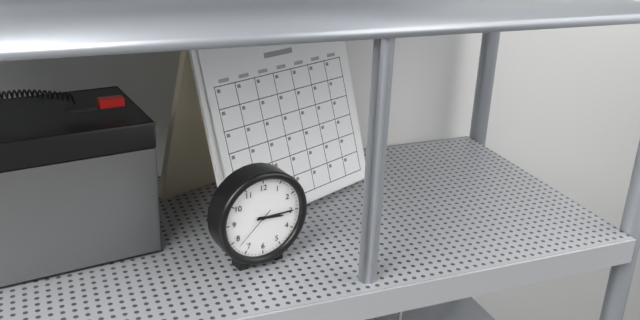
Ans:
3h15m38s
